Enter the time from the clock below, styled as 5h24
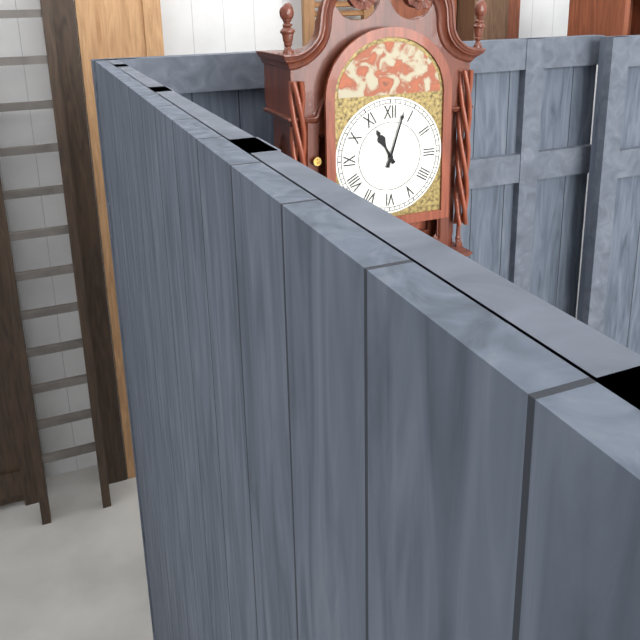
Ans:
11h03
